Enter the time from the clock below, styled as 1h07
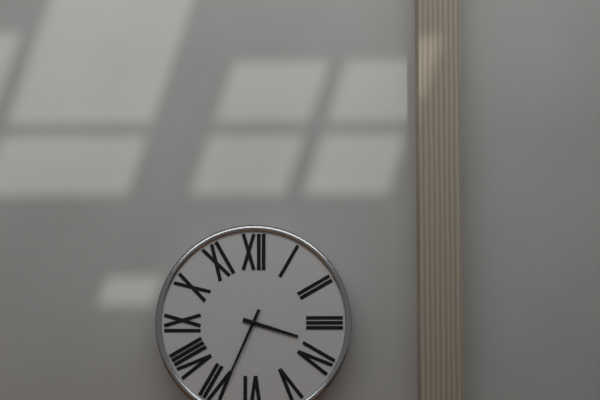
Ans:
3h34
